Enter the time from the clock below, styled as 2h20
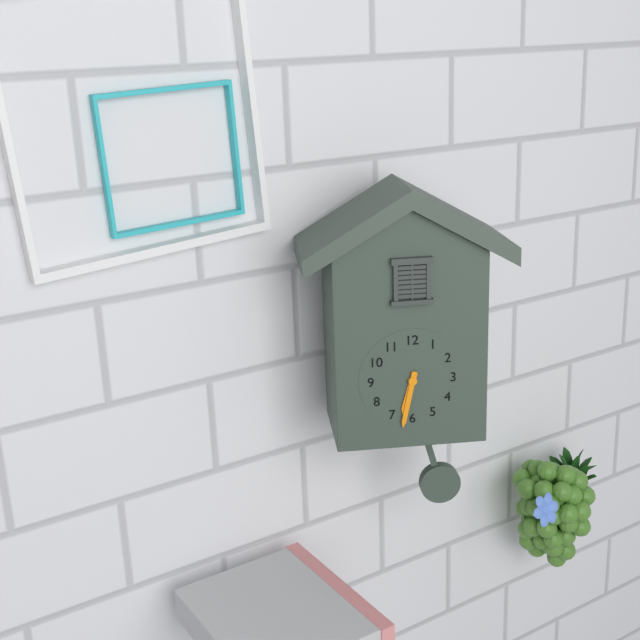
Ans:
6h32
